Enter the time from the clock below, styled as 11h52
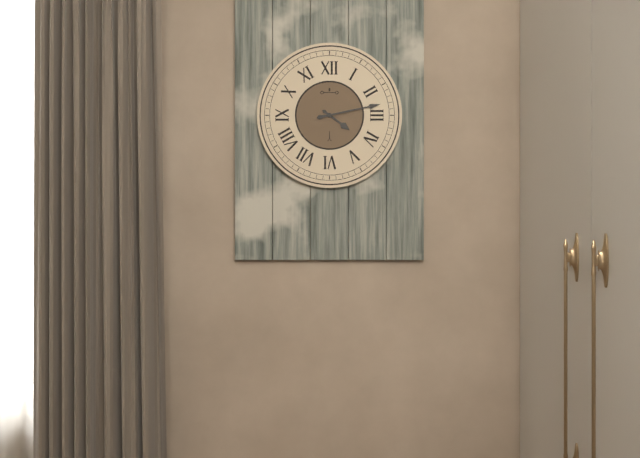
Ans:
4h13
